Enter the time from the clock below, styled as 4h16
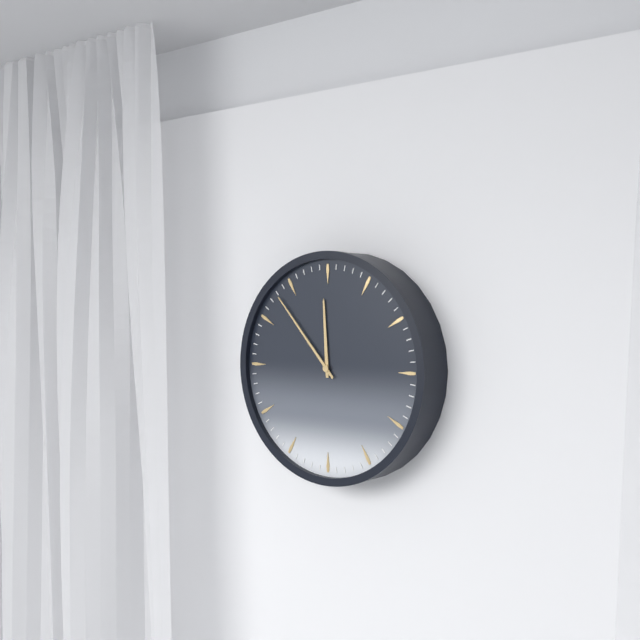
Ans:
11h53
